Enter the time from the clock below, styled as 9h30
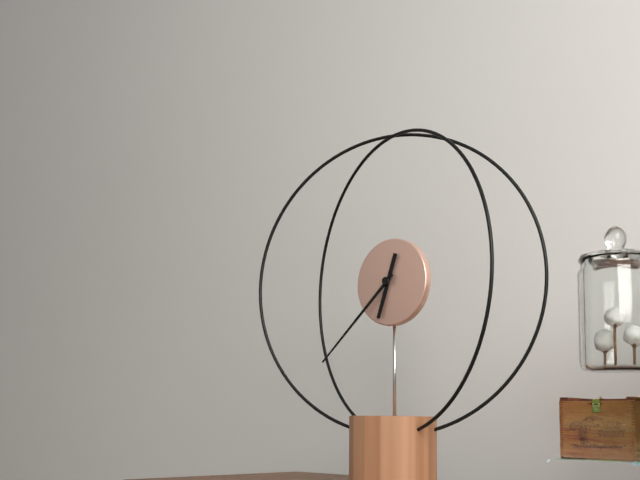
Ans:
6h38
